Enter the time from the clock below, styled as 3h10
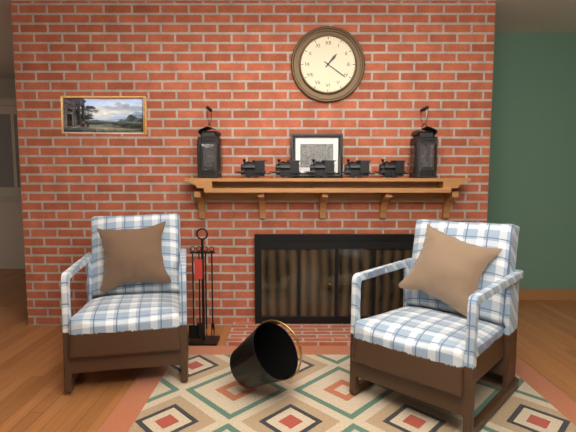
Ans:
1h21
